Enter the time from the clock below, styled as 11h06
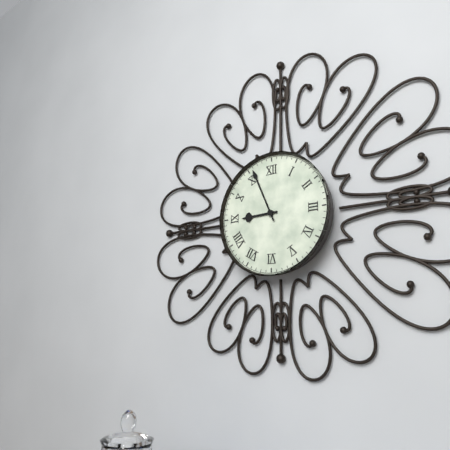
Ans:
8h56
